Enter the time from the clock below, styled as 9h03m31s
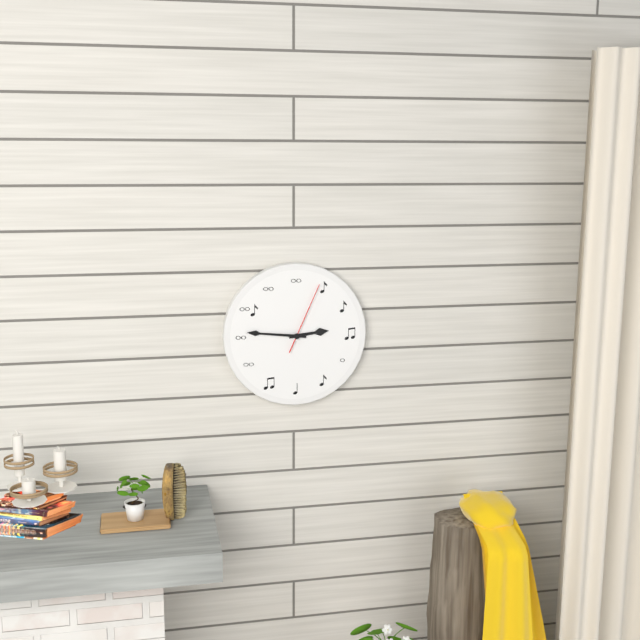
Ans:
2h46m04s
